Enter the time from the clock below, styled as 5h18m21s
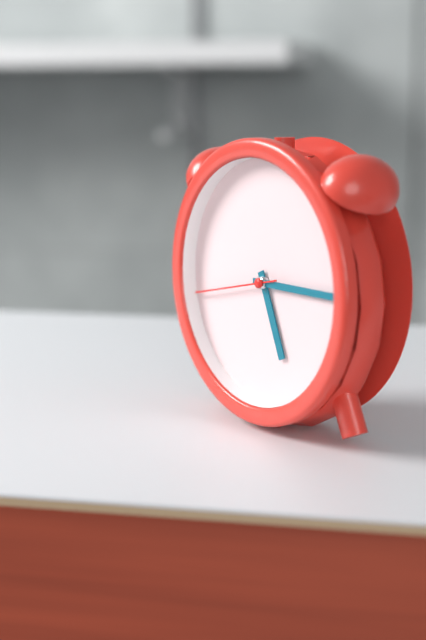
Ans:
5h15m43s
